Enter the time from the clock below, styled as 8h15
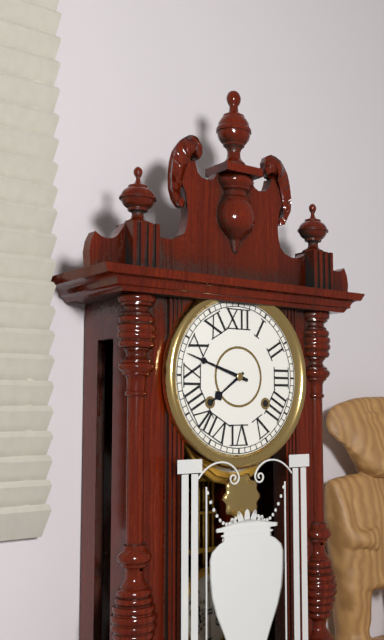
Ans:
7h48
